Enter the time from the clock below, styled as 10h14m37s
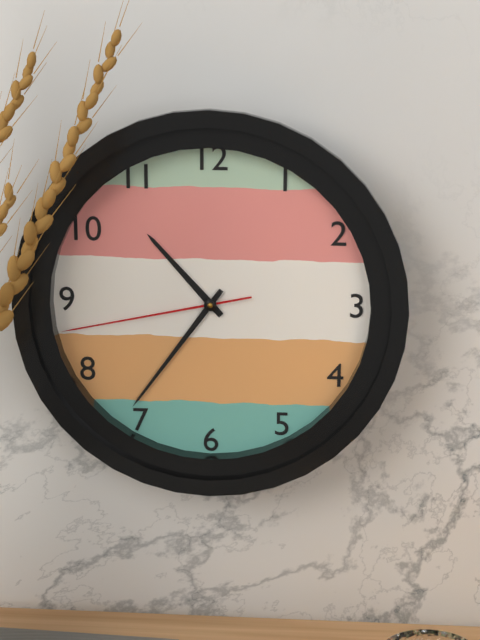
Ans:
10h36m43s
